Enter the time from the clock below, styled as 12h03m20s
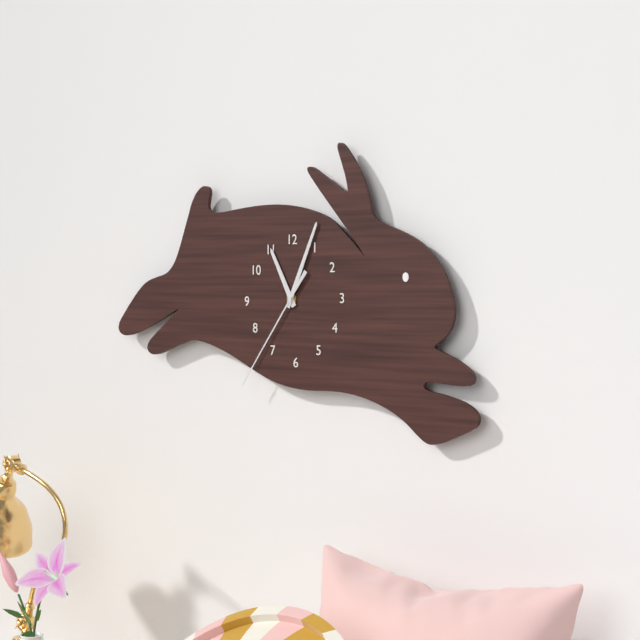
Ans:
11h04m36s
